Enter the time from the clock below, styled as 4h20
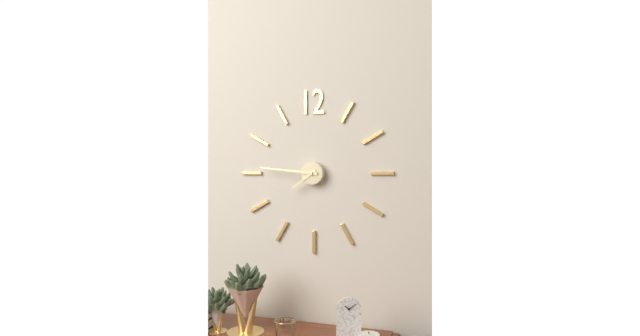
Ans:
7h46
